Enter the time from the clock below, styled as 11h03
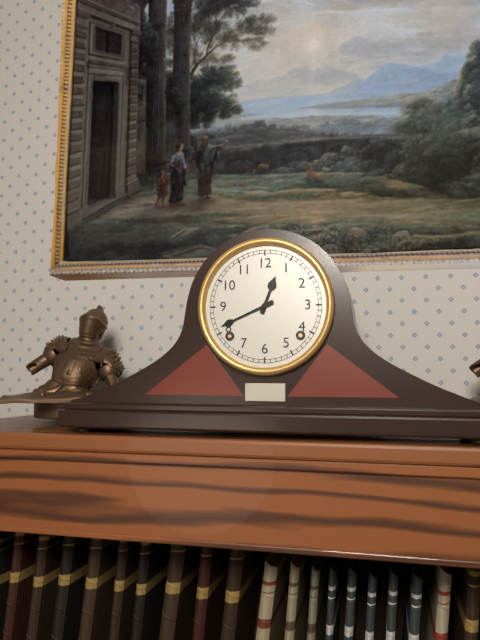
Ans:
12h41
